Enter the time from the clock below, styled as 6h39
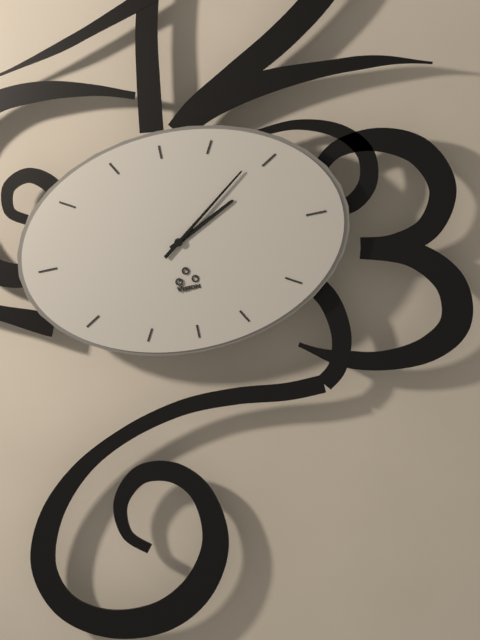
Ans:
2h09
